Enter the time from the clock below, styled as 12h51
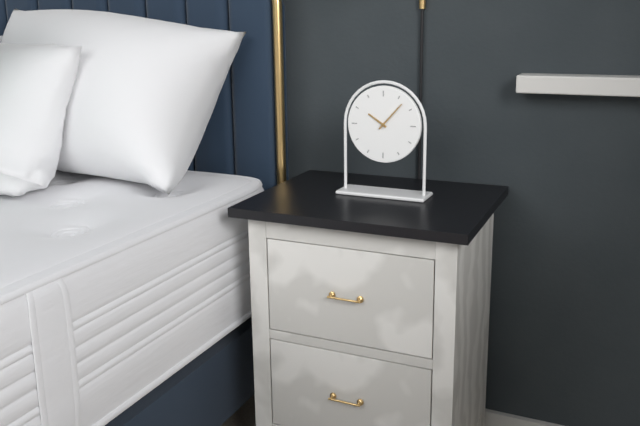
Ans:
10h07
